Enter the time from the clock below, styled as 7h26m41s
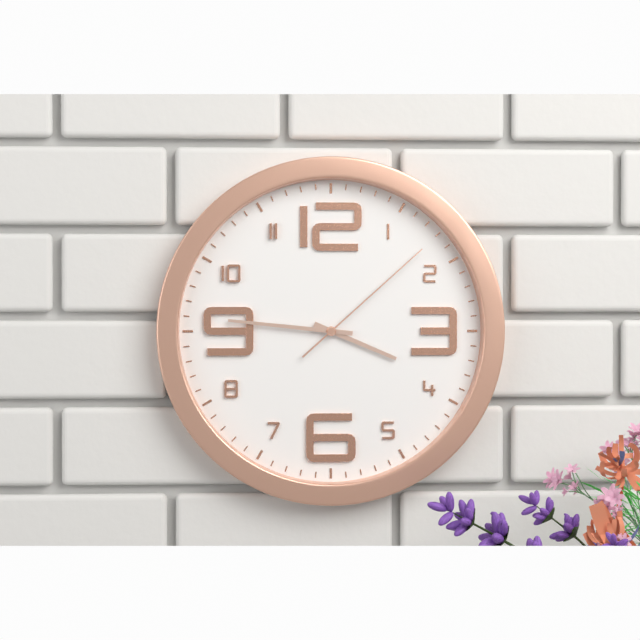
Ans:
3h46m08s
